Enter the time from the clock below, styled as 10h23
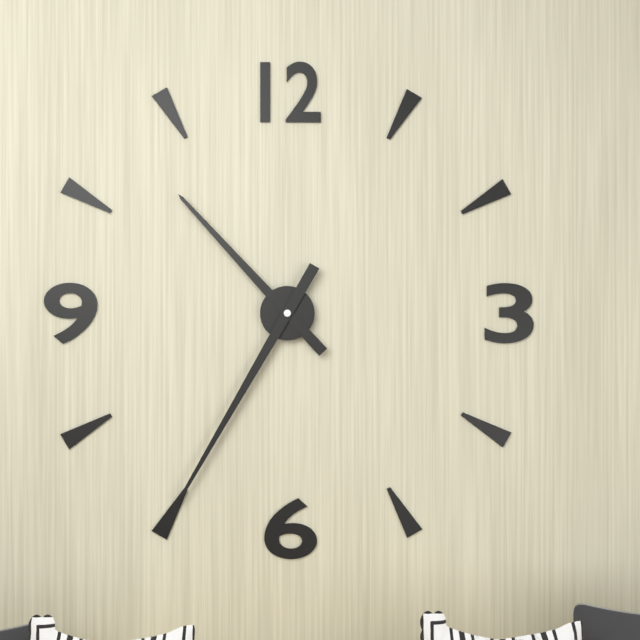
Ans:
10h35
